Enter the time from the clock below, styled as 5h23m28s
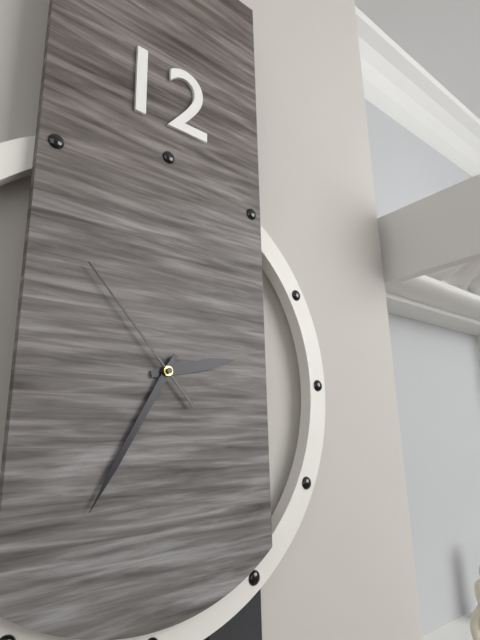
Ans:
2h35m53s
